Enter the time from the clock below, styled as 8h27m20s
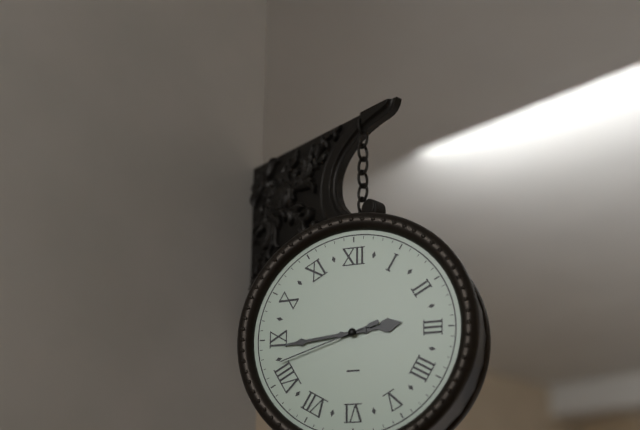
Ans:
2h44m42s
